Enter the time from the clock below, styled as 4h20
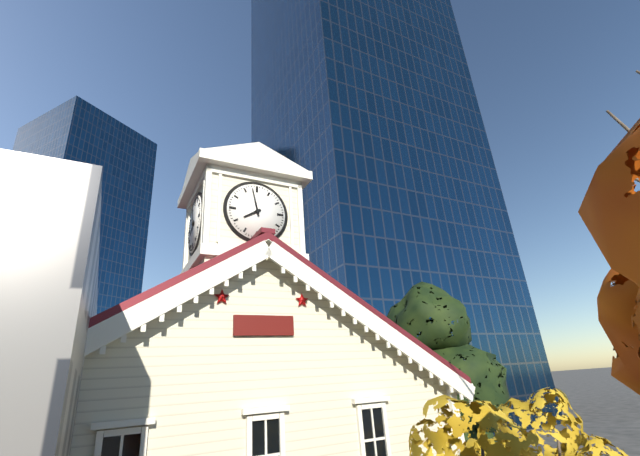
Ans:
7h58
